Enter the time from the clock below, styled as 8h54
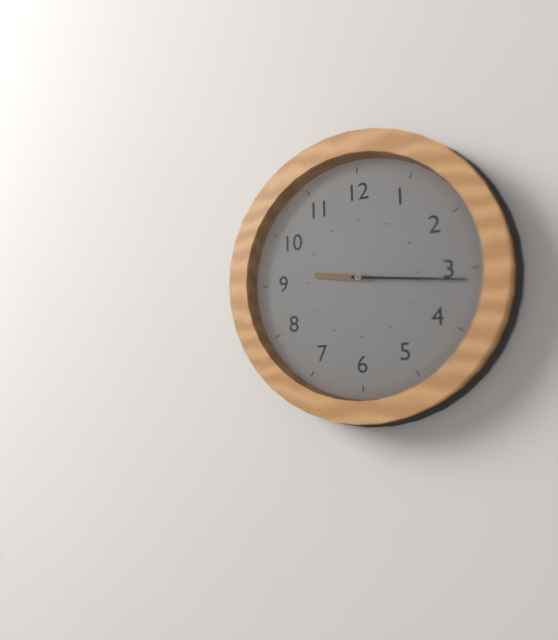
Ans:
9h16
